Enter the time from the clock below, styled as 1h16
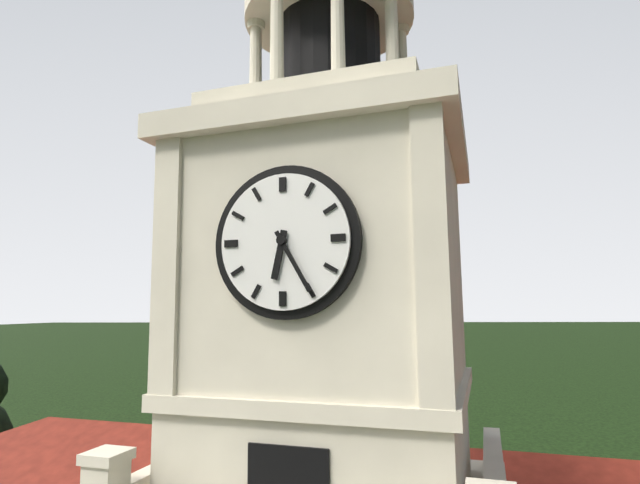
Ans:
6h25
